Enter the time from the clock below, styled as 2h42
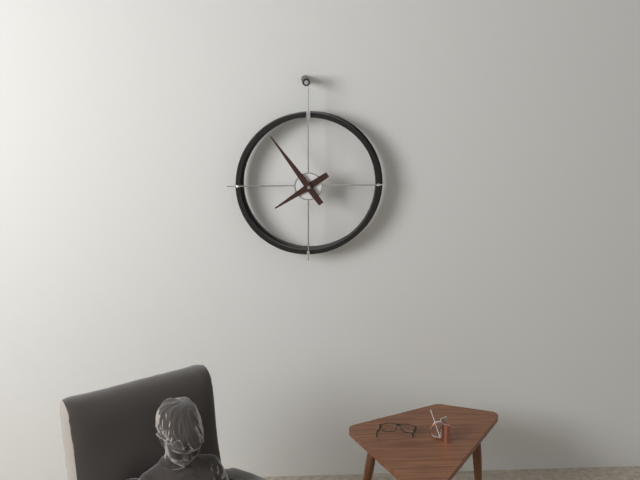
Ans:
7h54
